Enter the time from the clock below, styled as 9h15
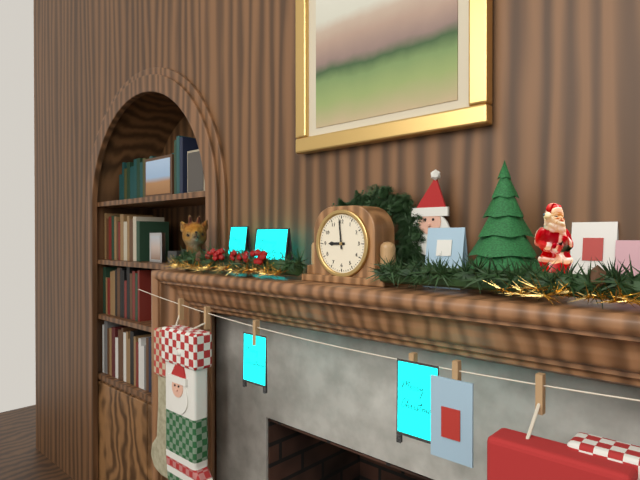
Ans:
8h59
